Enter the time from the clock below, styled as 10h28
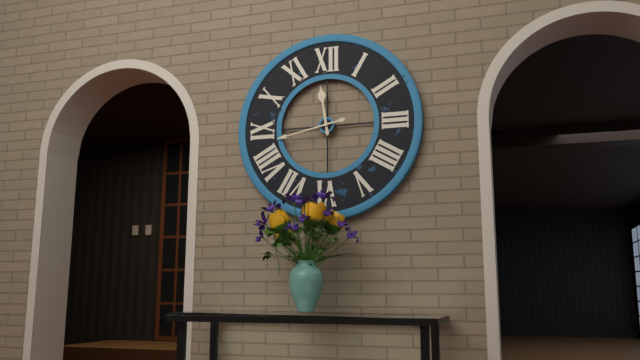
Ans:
11h43
